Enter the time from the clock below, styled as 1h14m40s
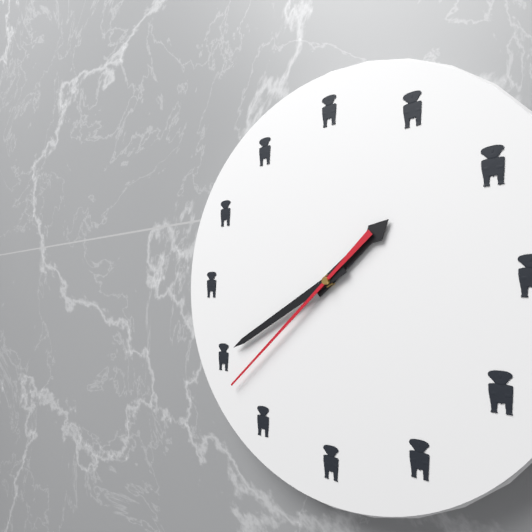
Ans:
1h40m38s
